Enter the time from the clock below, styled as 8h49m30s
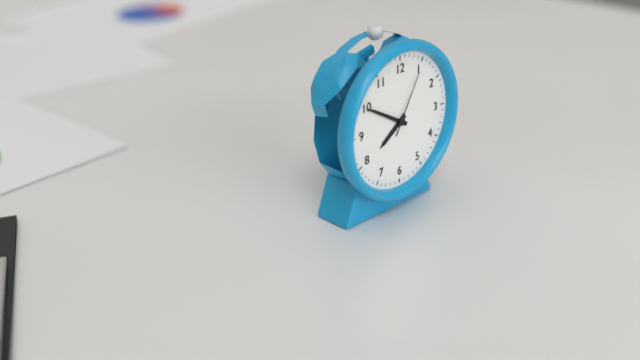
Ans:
7h50m05s
